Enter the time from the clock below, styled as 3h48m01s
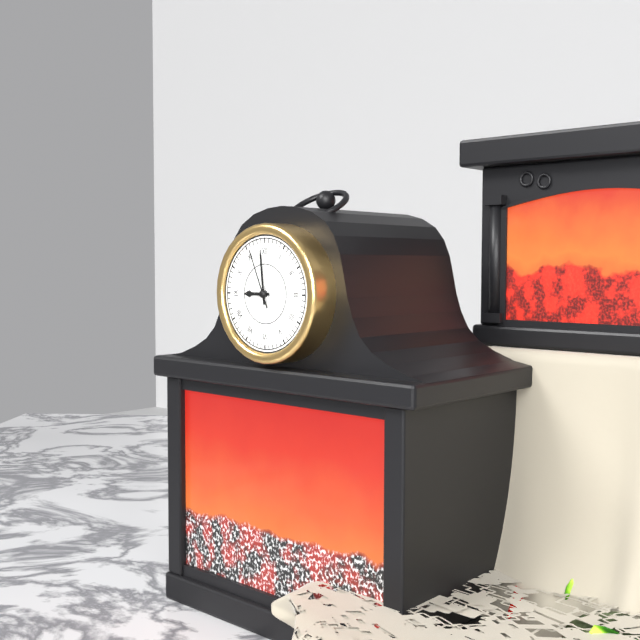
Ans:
8h59m56s
